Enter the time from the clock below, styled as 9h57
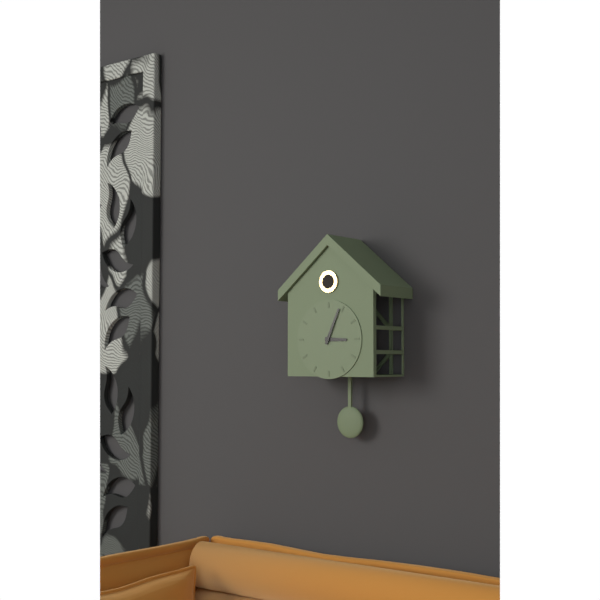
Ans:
3h04
